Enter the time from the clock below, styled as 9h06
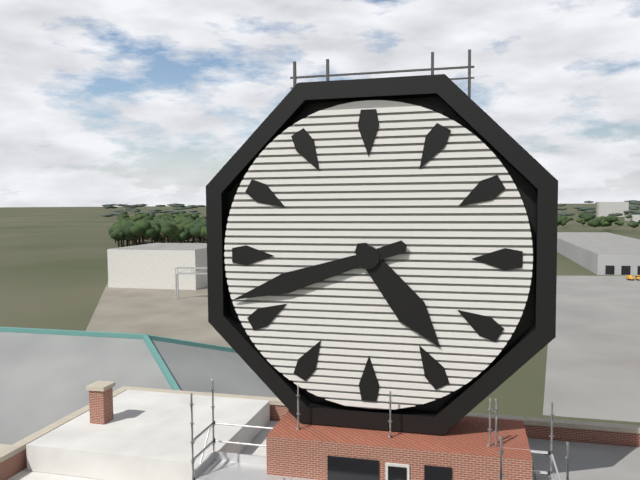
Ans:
4h42
